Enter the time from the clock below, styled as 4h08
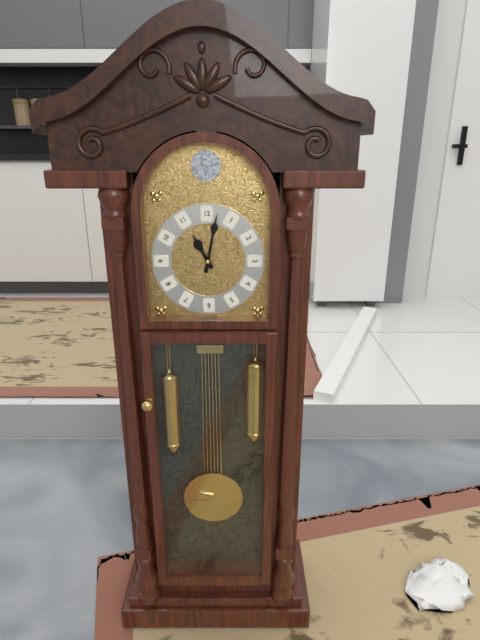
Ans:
11h02
